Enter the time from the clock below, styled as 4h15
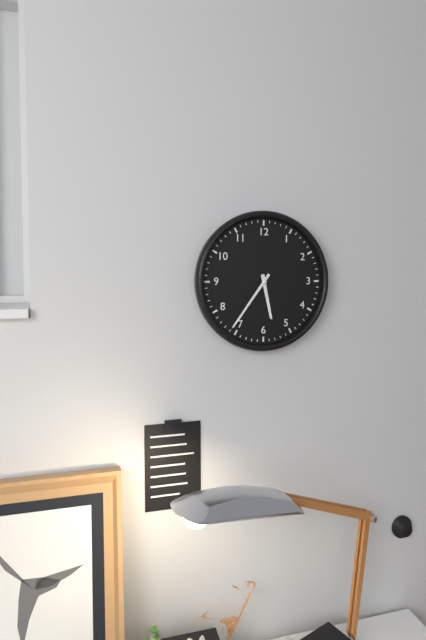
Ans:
5h36
